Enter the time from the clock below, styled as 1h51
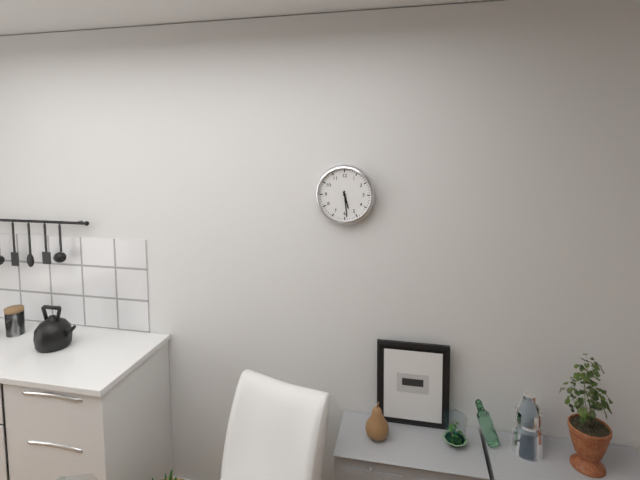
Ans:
5h29
